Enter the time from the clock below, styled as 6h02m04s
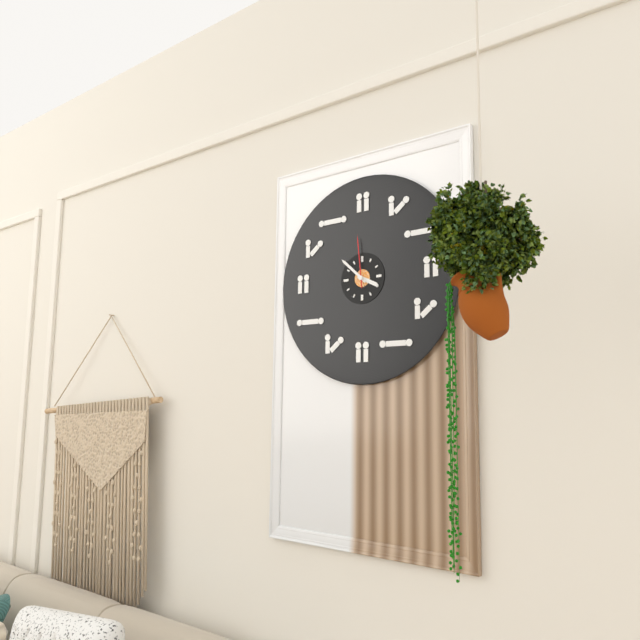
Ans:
3h52m59s
